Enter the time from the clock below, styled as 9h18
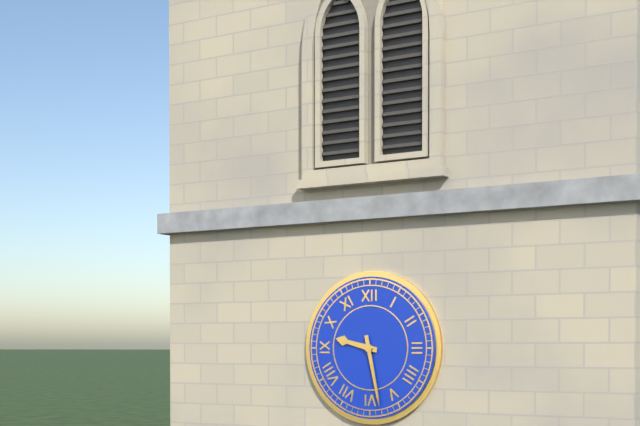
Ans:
9h28
